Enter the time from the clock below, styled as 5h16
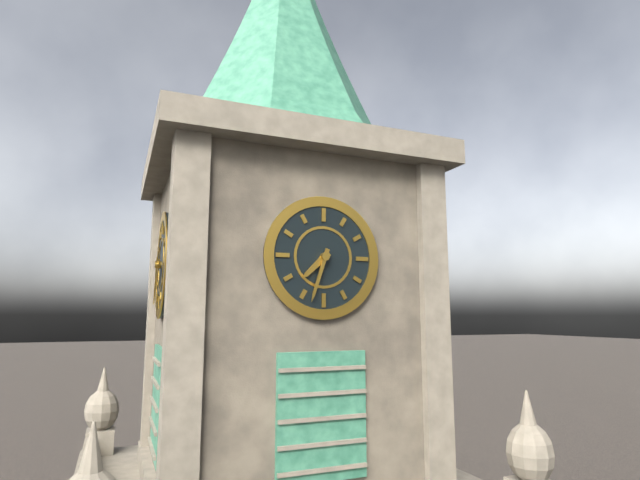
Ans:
7h33
